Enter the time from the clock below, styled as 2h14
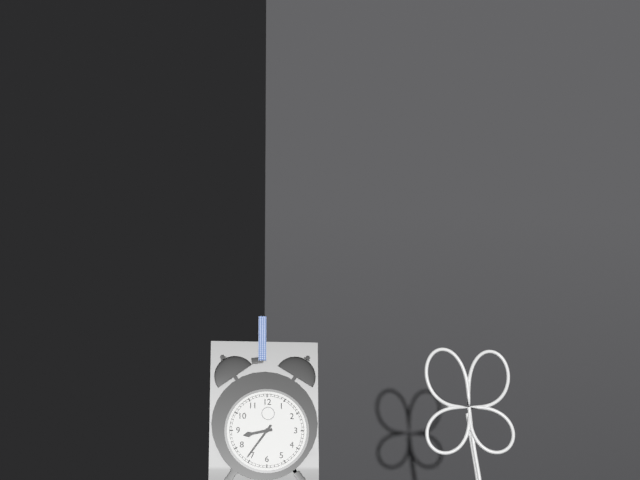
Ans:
8h36
